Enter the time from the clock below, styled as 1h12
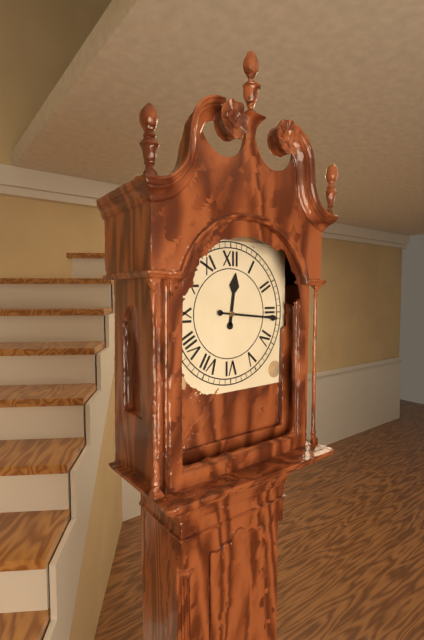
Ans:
12h16
